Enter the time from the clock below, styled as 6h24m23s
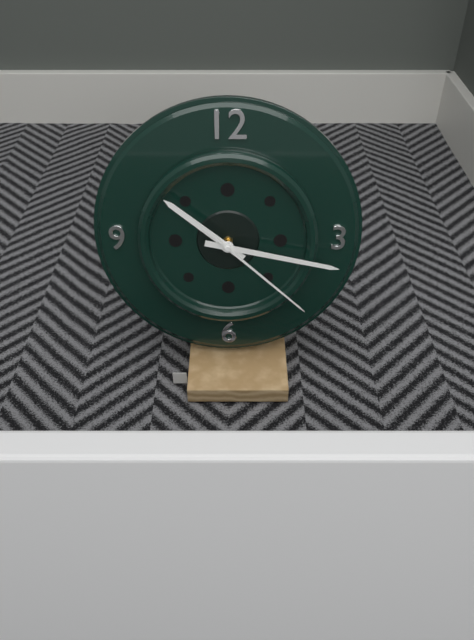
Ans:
10h17m22s
